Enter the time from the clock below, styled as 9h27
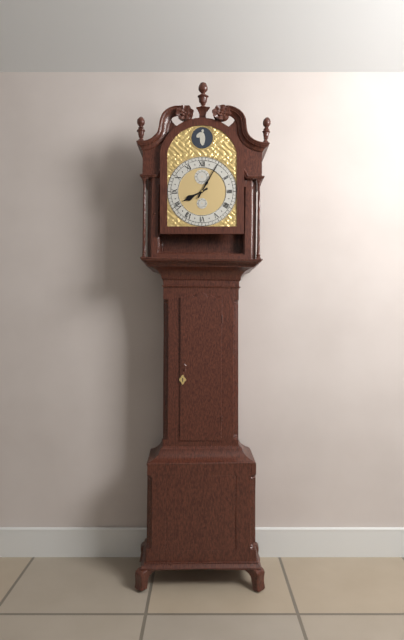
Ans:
8h05
